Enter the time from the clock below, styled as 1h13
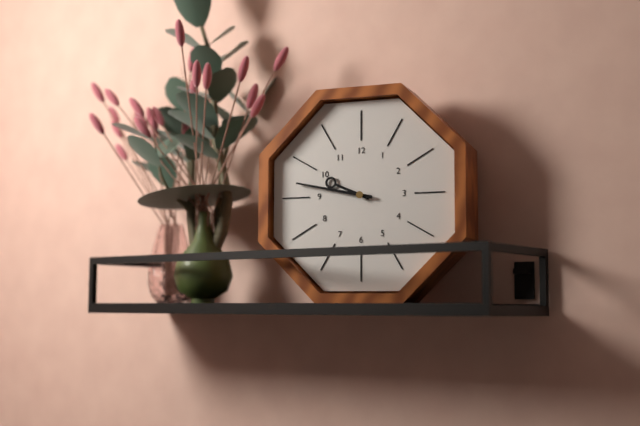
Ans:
9h47
